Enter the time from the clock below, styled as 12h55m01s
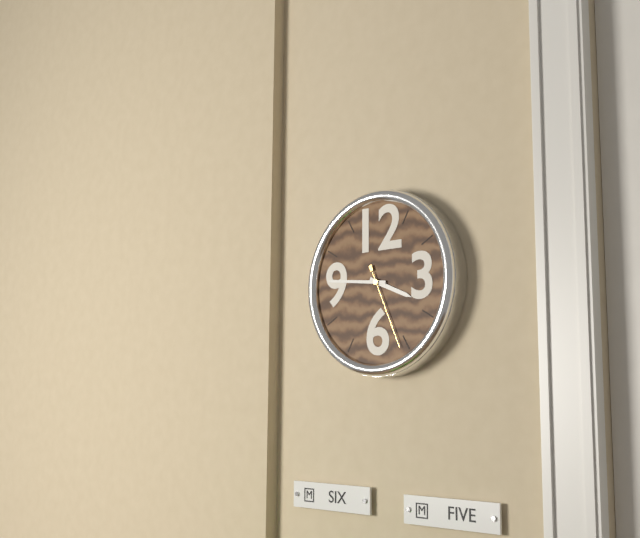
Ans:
3h46m26s
